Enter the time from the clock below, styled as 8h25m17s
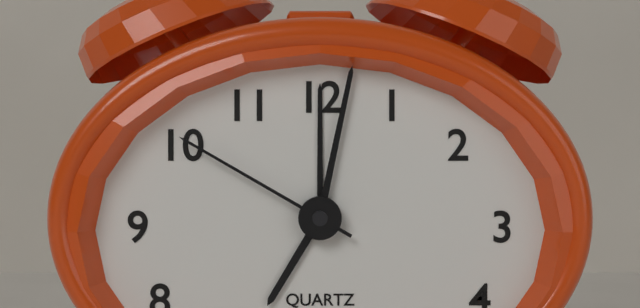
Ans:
7h02m50s
